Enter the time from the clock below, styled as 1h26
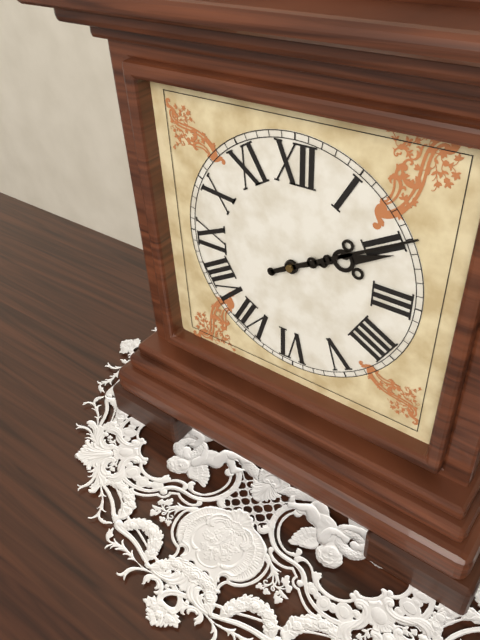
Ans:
2h10
